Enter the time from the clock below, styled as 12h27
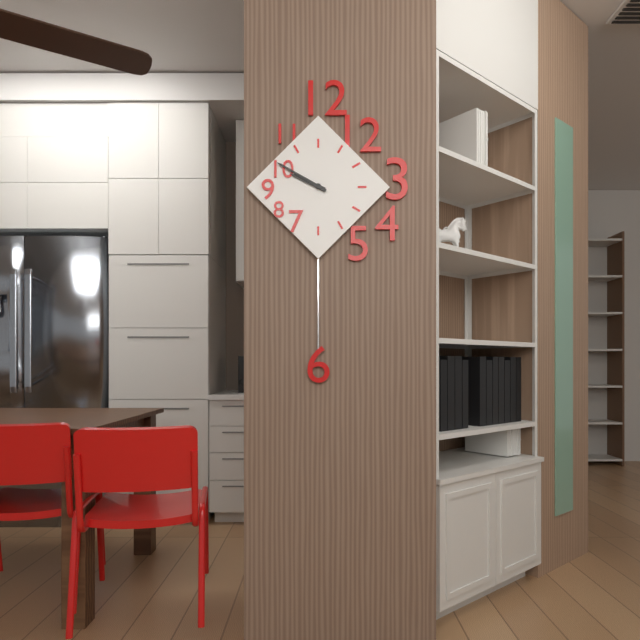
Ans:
9h50
